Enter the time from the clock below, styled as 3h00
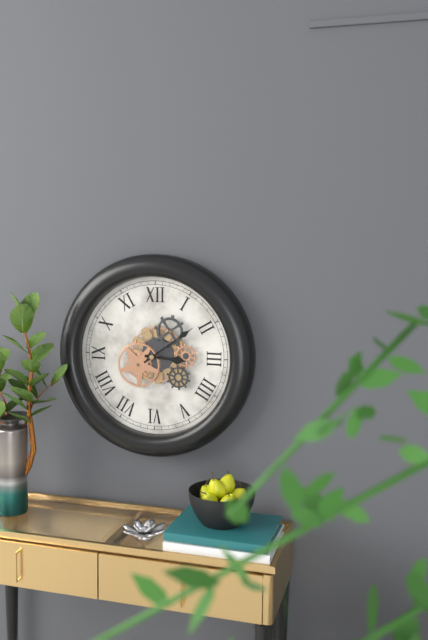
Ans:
3h09
